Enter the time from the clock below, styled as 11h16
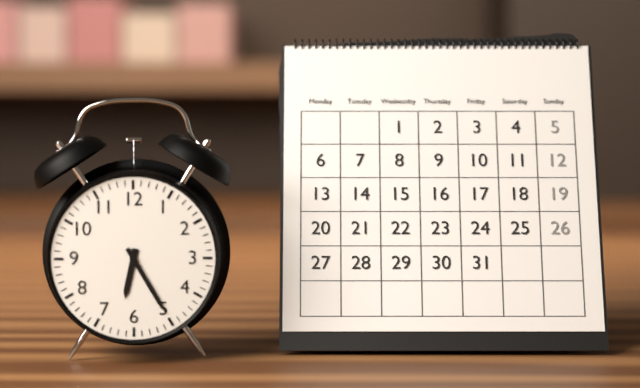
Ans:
6h25
